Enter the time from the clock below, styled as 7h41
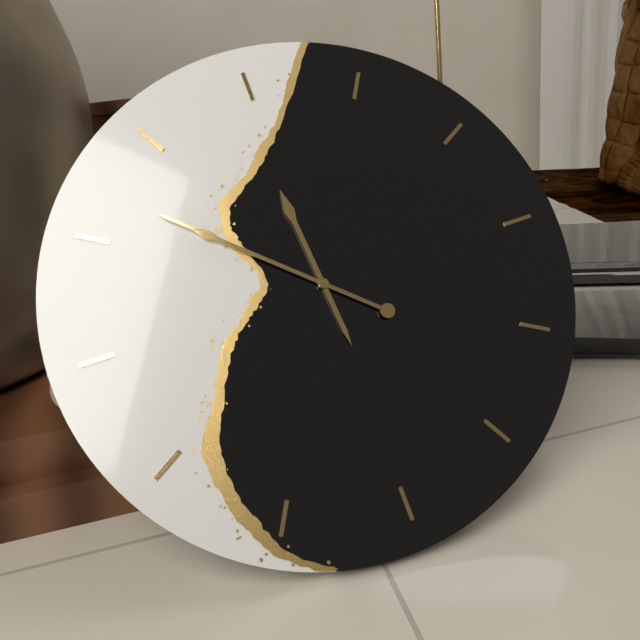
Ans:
11h52
